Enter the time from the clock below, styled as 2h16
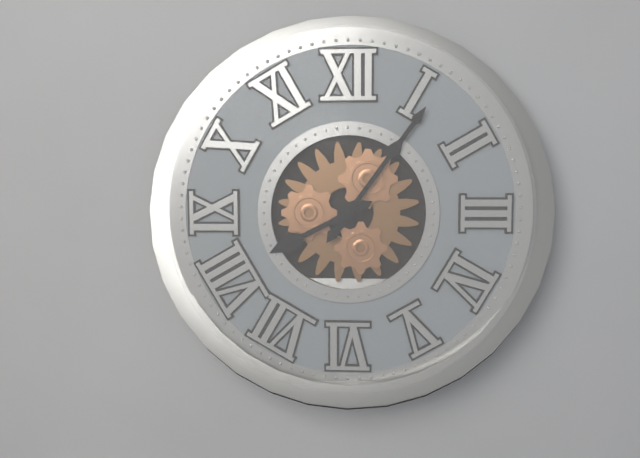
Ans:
8h06
